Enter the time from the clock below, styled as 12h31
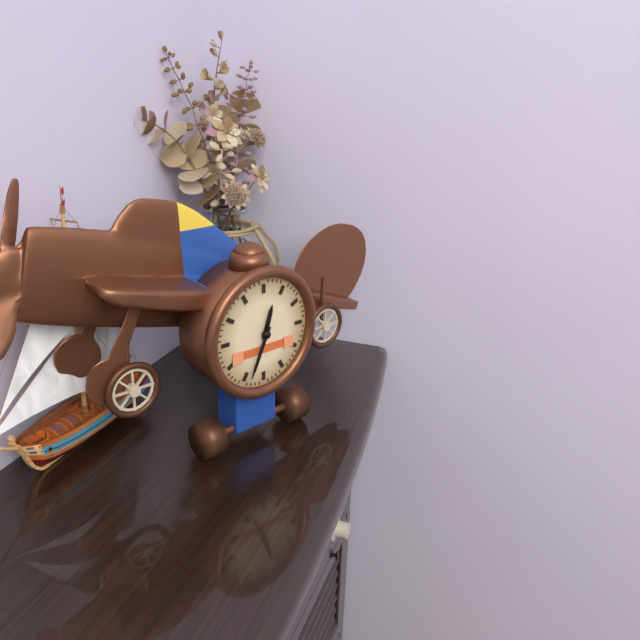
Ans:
12h34
